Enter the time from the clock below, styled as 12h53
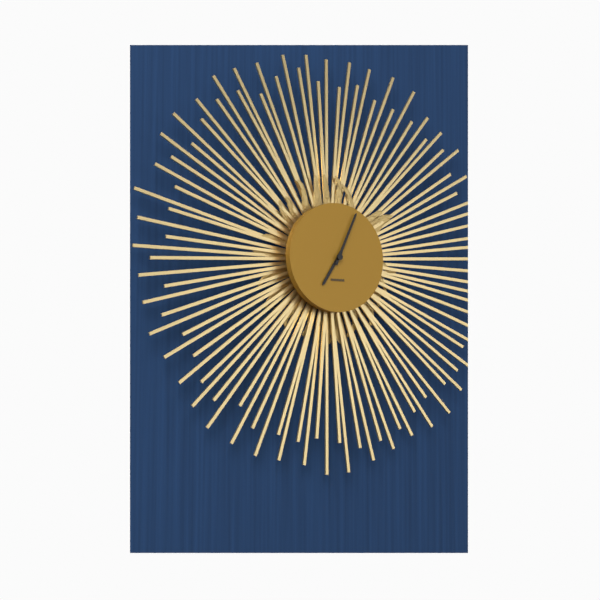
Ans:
7h04
